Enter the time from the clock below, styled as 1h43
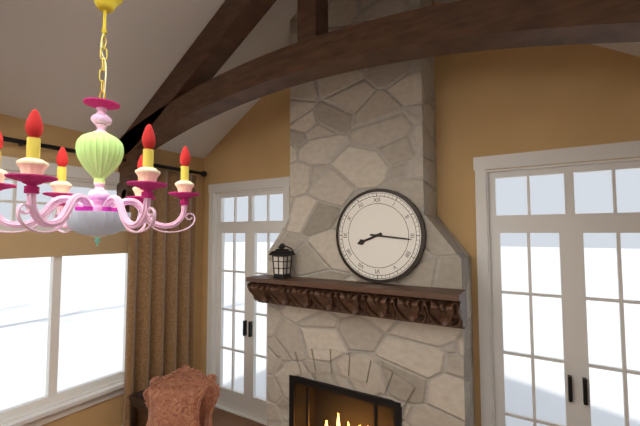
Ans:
8h16
